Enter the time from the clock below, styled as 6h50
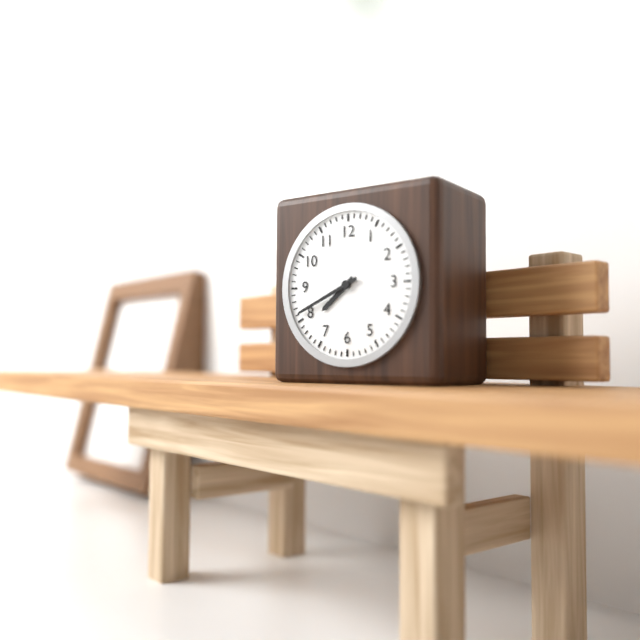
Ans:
7h41
